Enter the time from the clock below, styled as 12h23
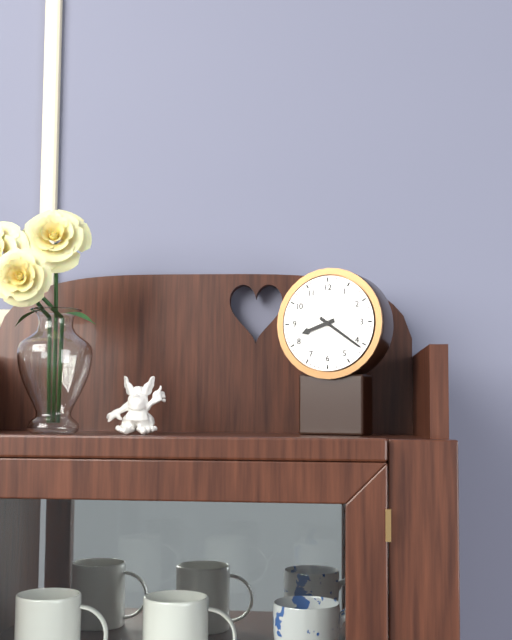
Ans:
8h21
